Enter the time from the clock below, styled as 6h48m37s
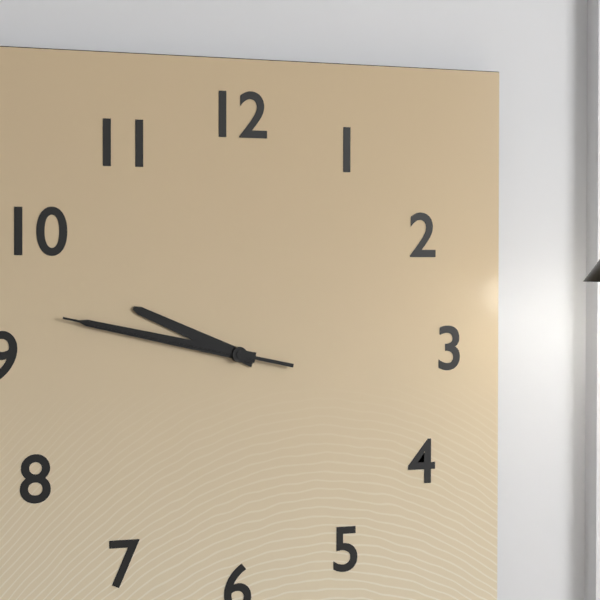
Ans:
9h47m47s
